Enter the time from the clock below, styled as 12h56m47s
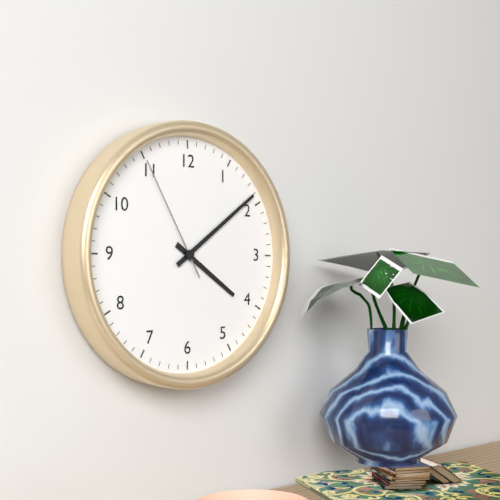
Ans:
4h09m55s
